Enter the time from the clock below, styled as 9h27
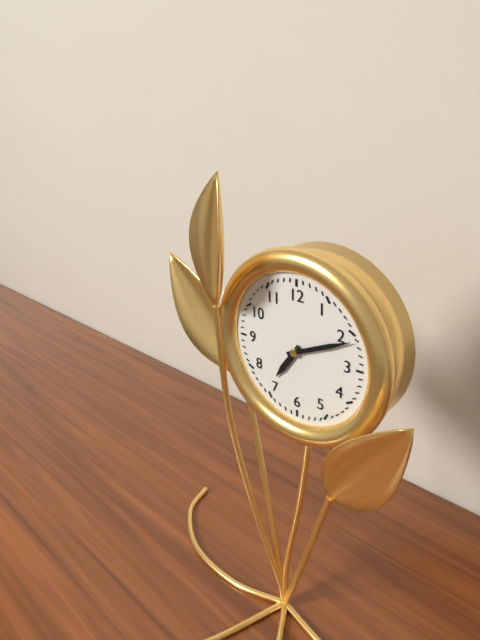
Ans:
7h11
